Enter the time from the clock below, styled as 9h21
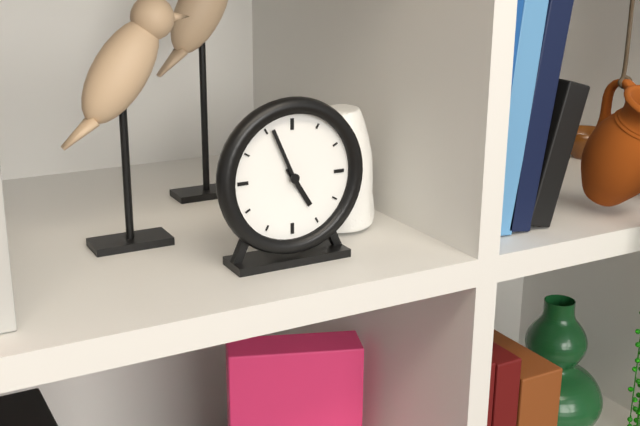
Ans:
4h56
